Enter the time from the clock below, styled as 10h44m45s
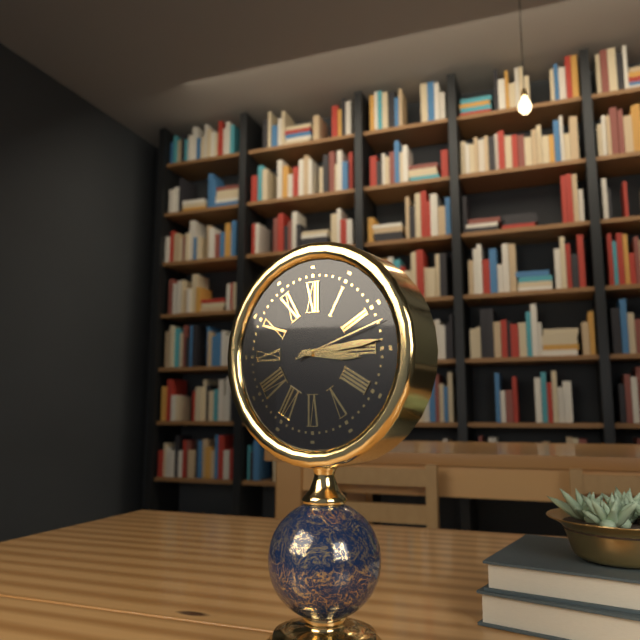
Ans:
3h14m12s
